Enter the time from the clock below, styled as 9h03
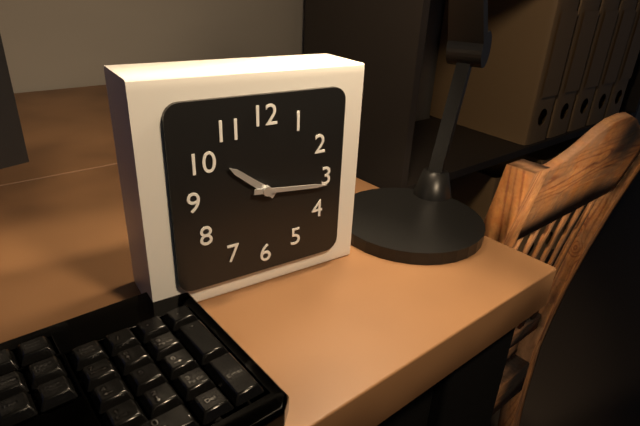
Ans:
10h16
